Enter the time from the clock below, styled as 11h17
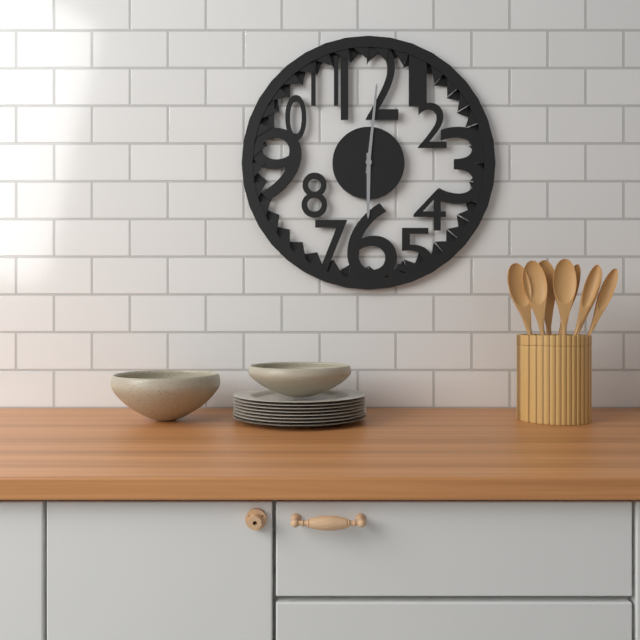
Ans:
6h01
